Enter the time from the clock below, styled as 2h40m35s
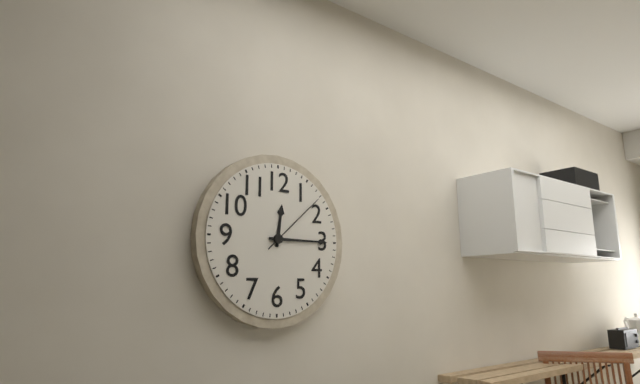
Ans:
12h15m08s
